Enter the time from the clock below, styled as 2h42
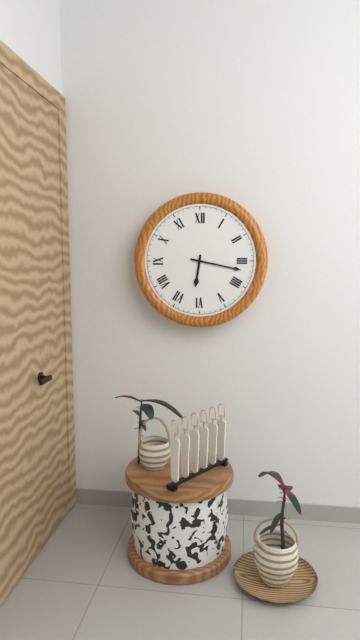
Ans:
6h17
